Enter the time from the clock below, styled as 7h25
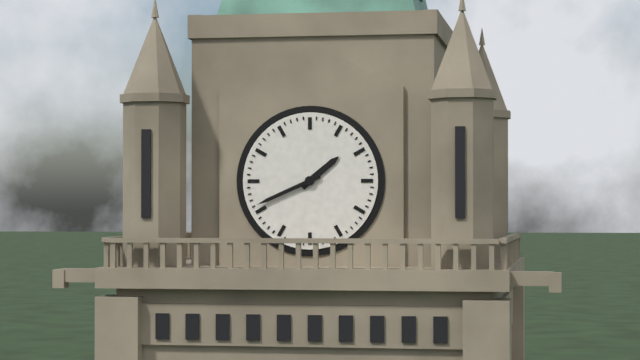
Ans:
1h41
